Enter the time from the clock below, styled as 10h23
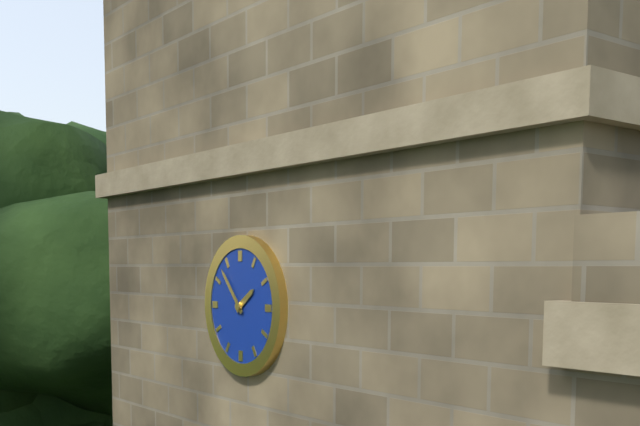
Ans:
1h53
